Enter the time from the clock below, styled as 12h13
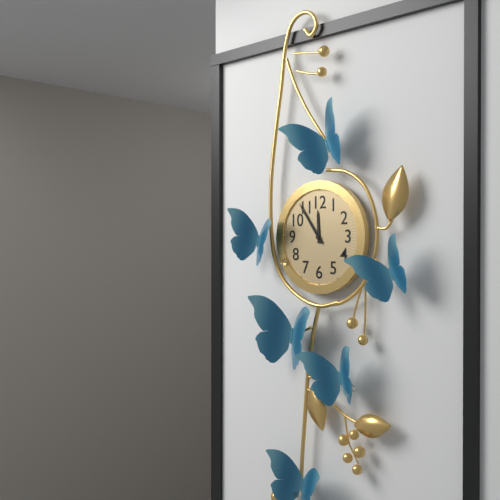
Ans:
11h54
